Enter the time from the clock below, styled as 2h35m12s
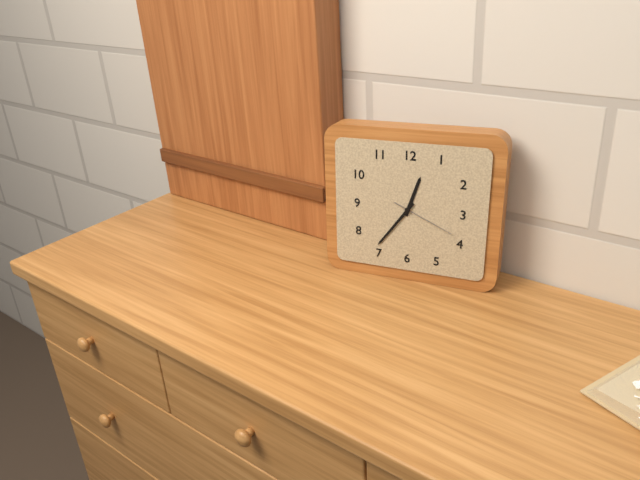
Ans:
12h36m19s
